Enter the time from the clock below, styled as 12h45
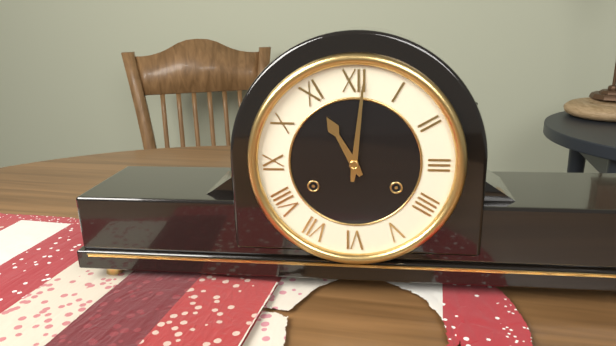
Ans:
11h01
